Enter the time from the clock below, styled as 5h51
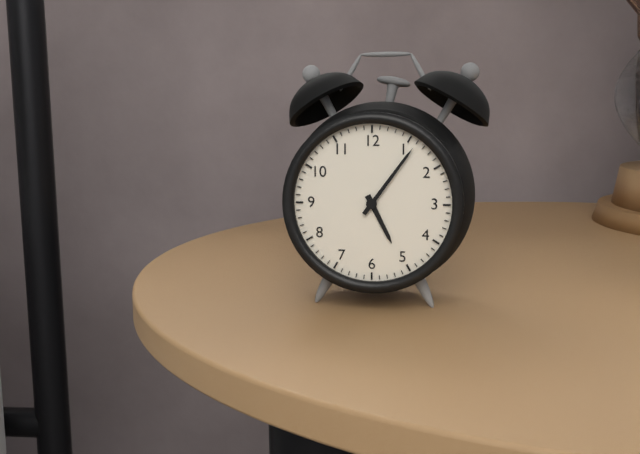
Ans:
5h06
